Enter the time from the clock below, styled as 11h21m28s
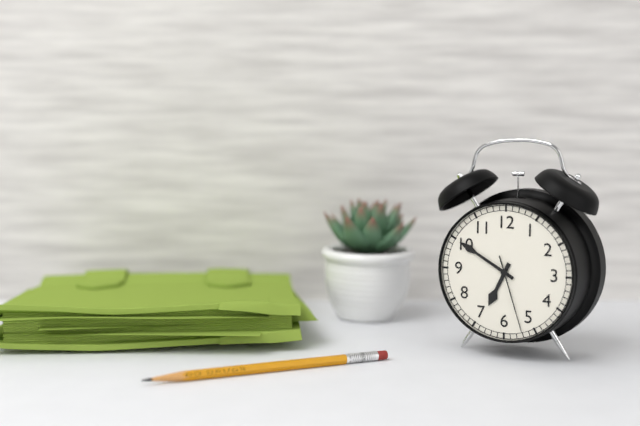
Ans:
6h50m27s
